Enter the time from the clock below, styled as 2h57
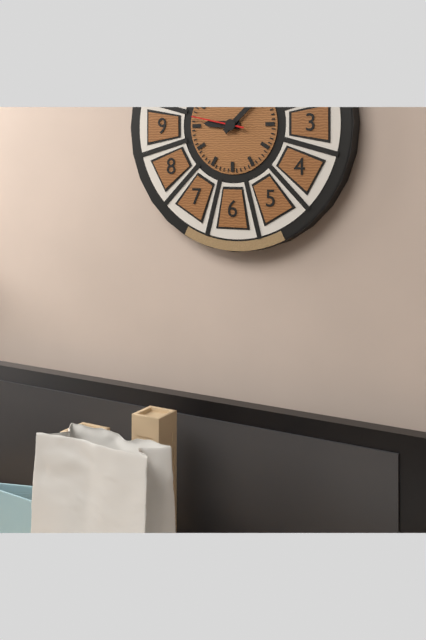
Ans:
9h08
